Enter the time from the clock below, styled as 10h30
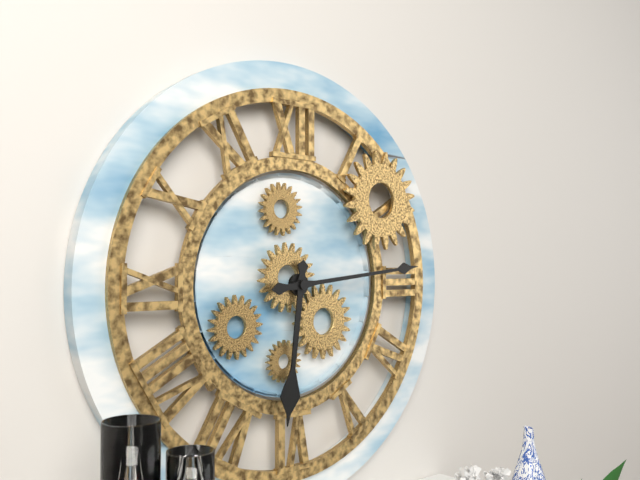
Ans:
6h14
